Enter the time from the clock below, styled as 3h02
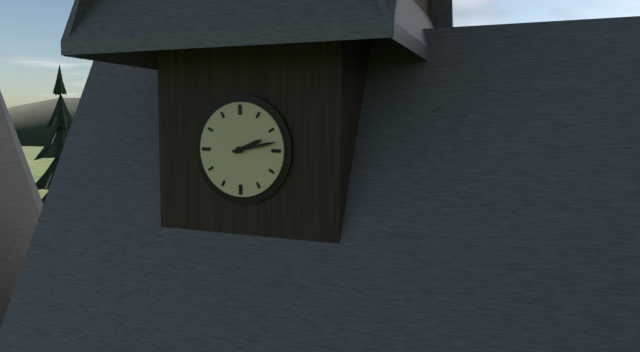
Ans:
2h13
